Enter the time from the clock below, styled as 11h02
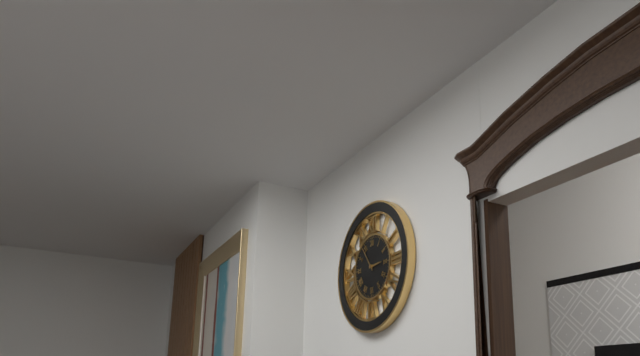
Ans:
2h54
